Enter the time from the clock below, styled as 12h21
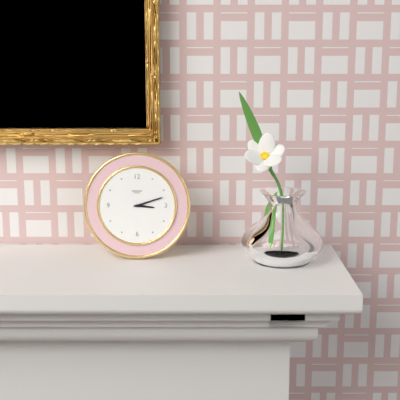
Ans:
3h12
